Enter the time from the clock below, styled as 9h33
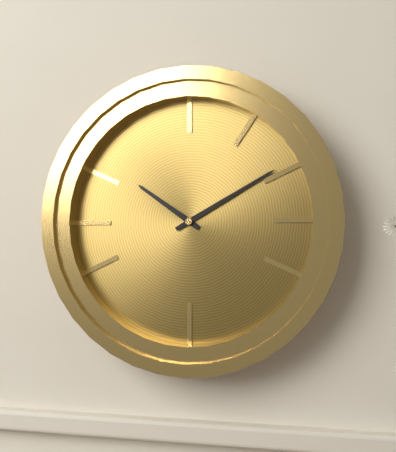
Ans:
10h10
